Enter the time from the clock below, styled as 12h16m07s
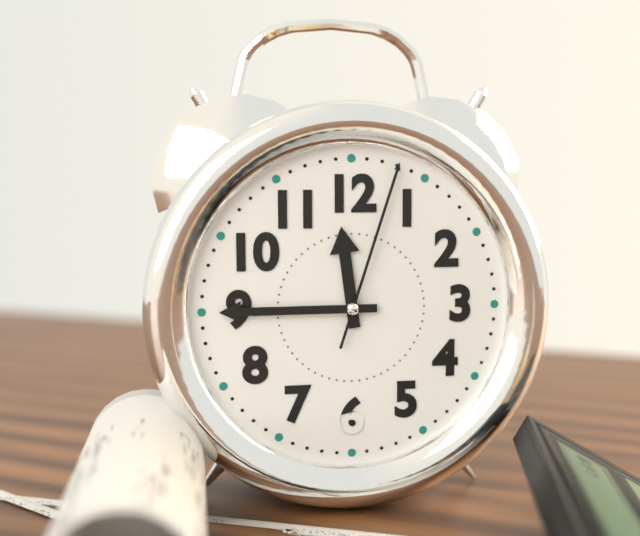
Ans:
11h45m03s
